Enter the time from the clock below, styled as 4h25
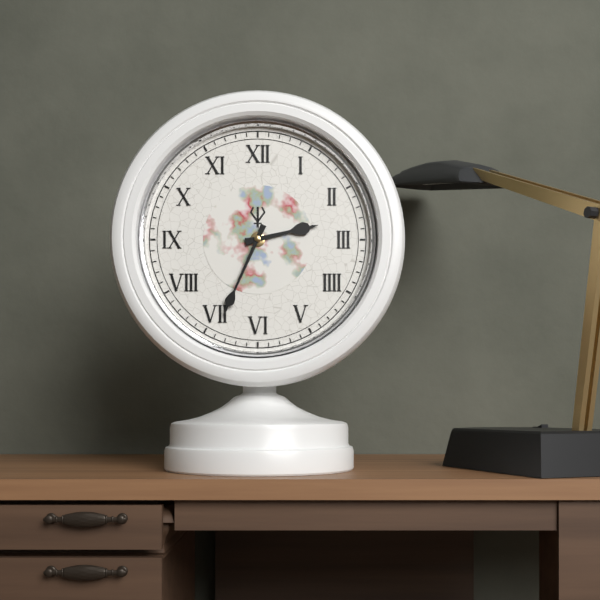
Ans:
2h34
